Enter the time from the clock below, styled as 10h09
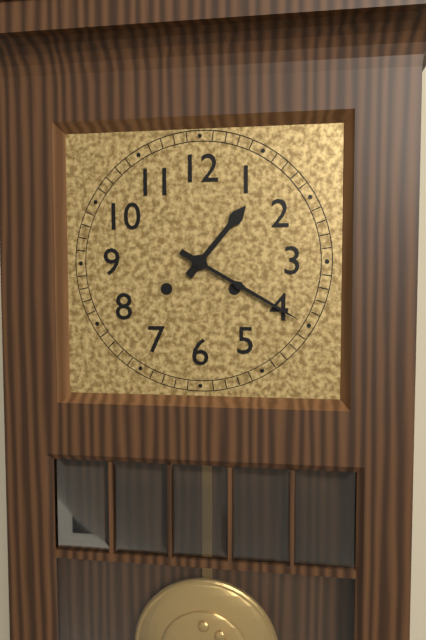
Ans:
1h20
